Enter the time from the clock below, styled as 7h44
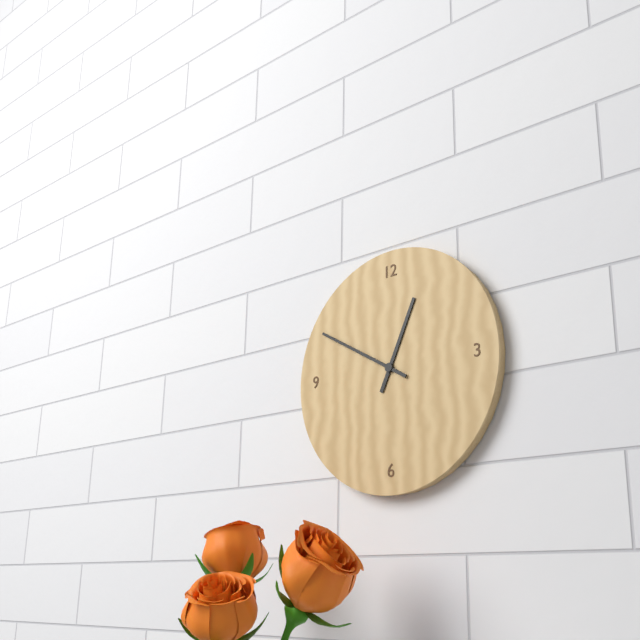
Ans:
12h50
